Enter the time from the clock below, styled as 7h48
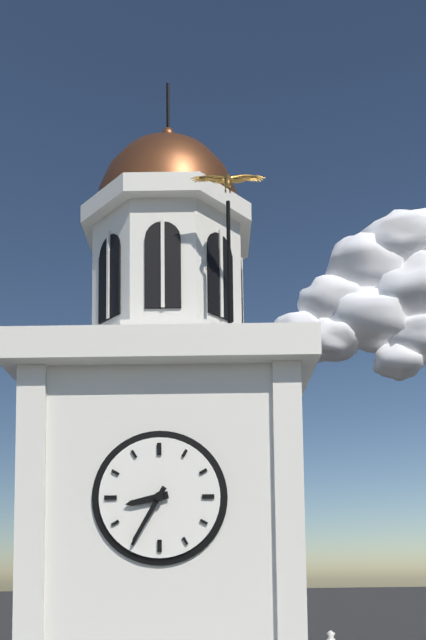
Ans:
8h35
